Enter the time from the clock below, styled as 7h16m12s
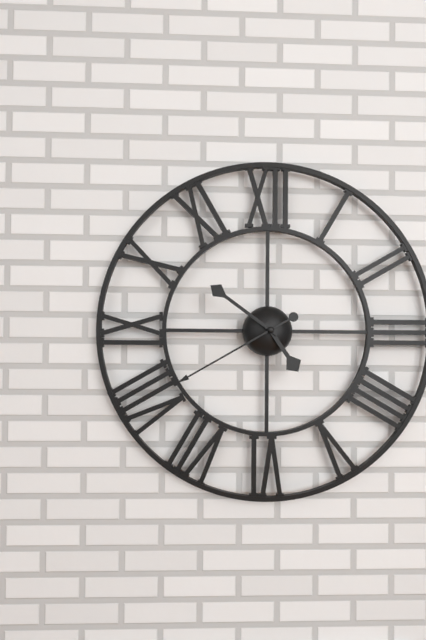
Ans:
4h51m40s
